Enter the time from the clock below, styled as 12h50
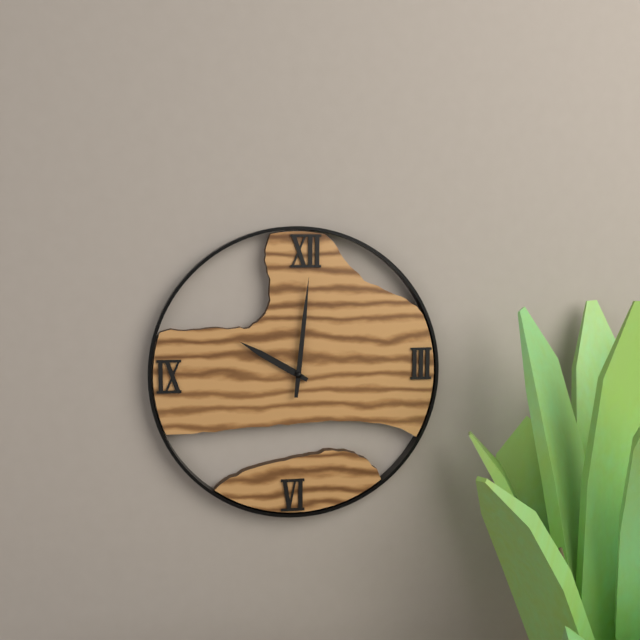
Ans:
10h01
